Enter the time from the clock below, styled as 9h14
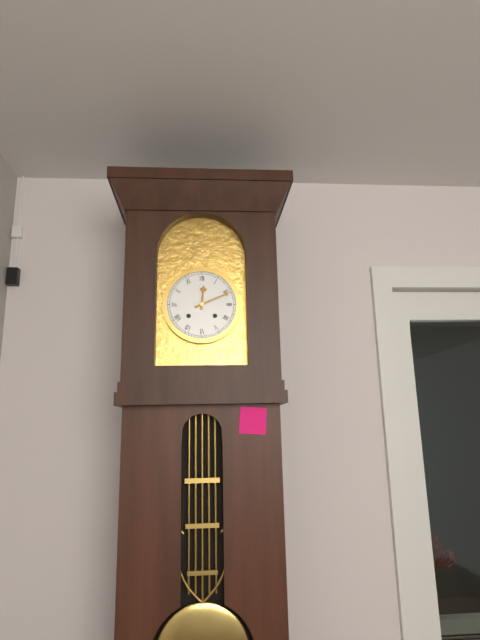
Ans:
12h11
